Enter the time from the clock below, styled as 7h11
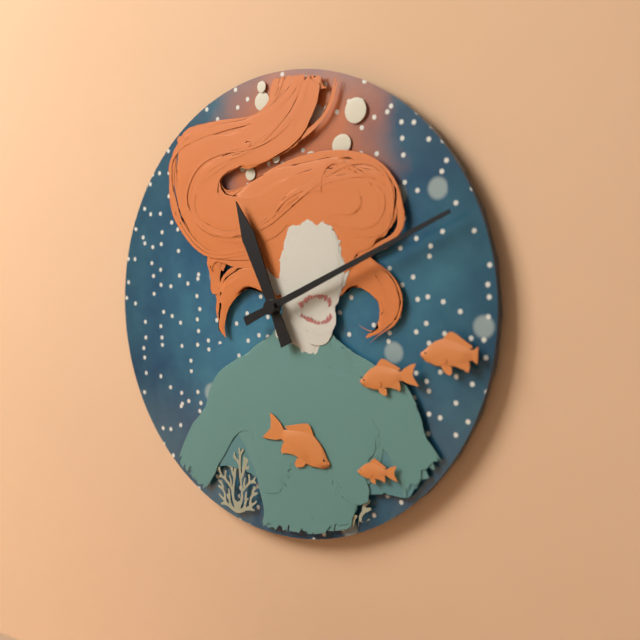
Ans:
11h11
